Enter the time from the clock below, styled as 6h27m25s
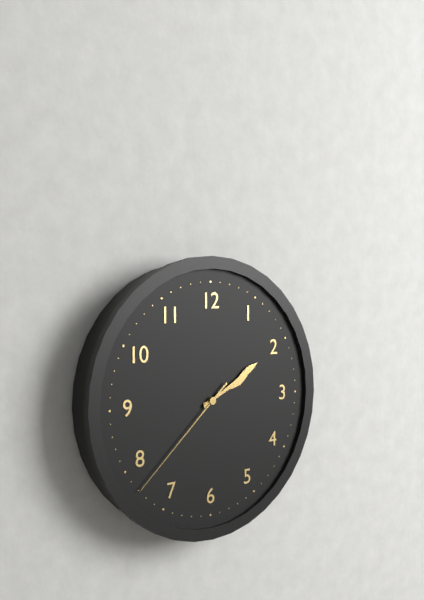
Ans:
2h10m38s
